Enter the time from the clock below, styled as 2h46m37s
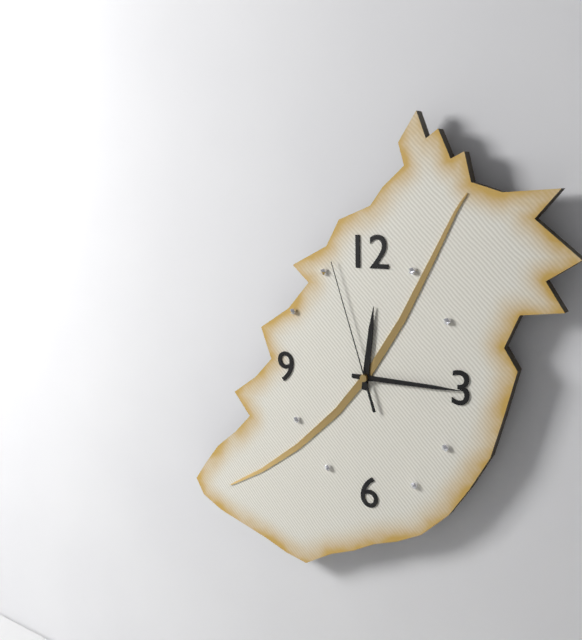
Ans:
12h15m57s
